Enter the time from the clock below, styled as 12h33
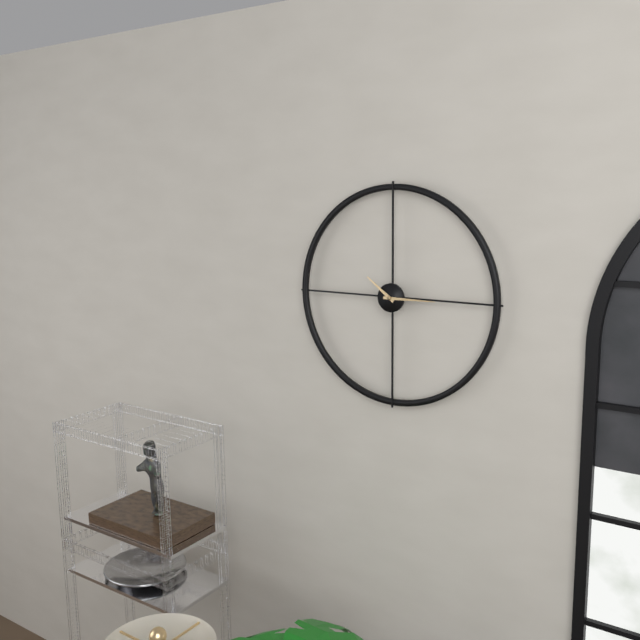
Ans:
10h15
